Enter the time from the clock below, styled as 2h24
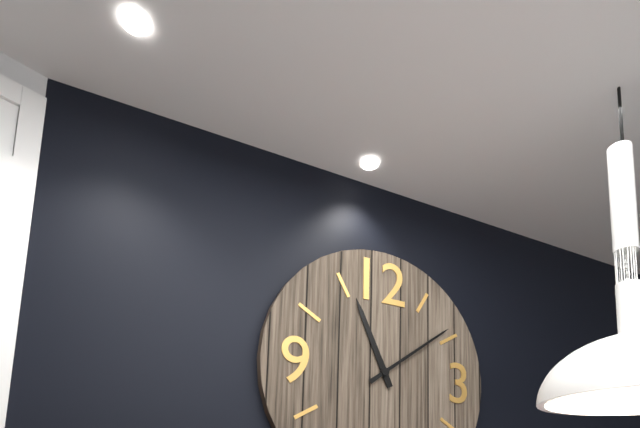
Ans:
11h09
